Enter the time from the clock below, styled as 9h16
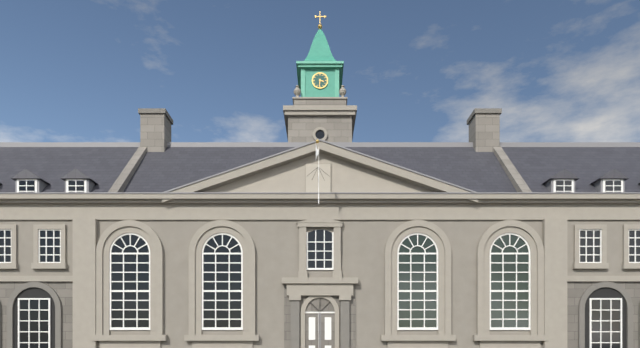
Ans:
3h31
